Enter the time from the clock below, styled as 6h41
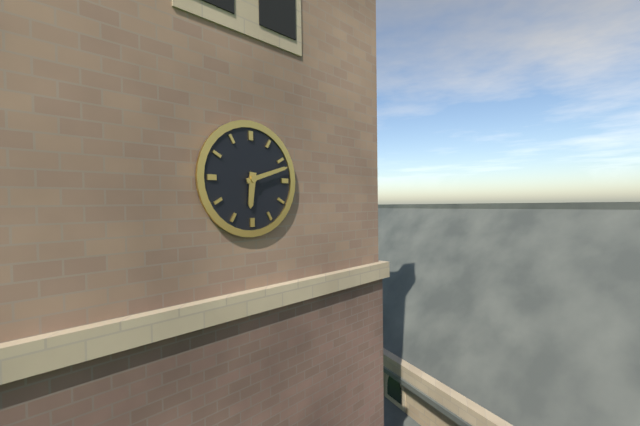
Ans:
6h12
